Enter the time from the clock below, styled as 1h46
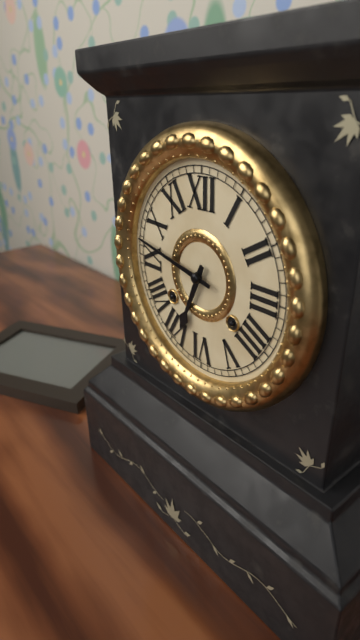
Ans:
6h47
